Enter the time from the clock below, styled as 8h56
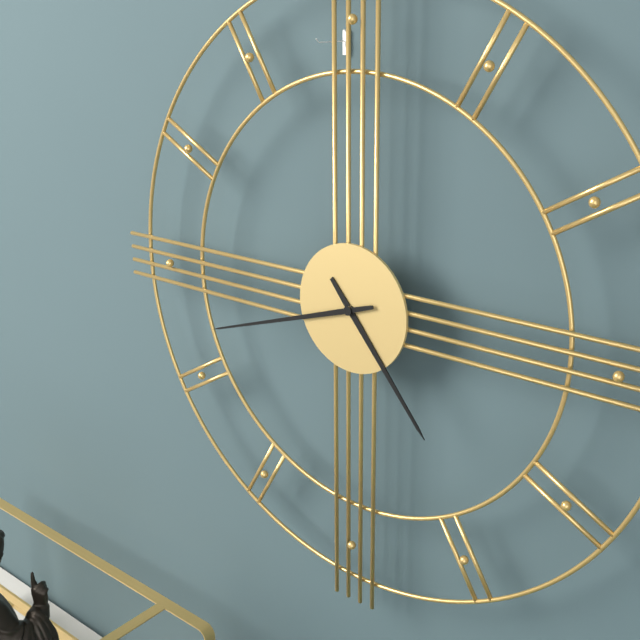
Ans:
4h42
